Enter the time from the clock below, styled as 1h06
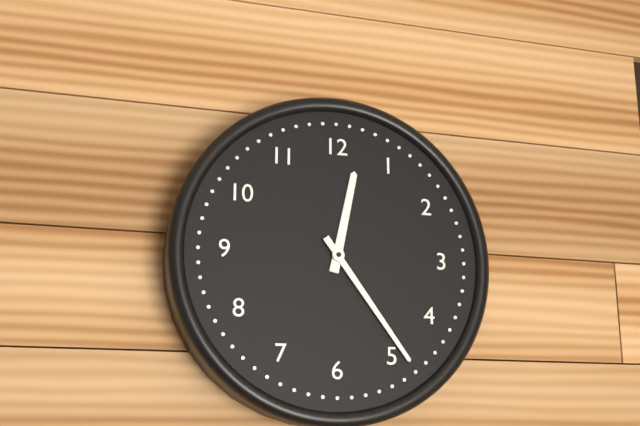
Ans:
12h24
